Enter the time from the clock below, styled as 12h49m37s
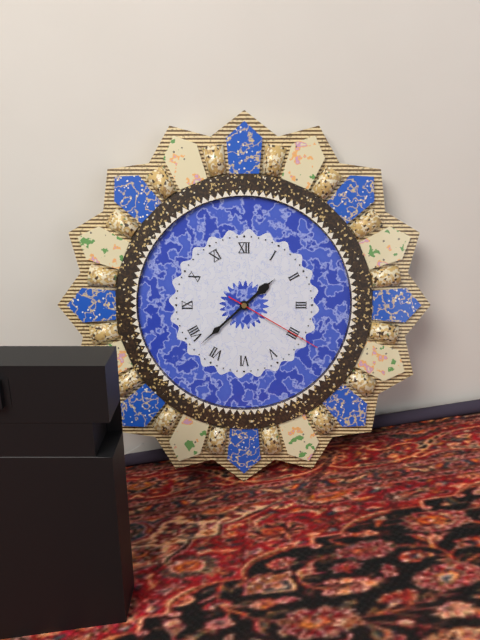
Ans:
1h38m20s
